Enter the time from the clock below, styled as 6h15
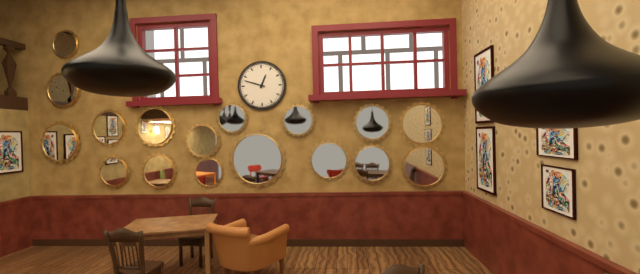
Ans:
12h48
